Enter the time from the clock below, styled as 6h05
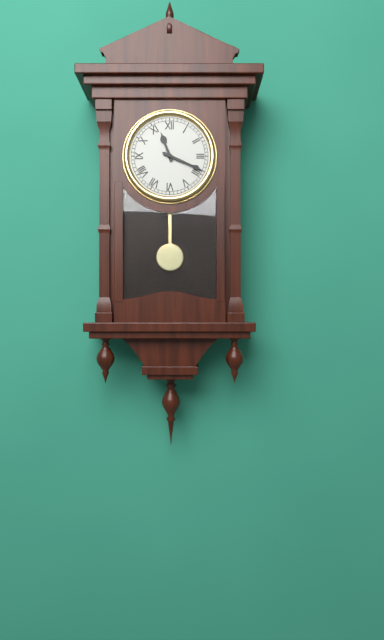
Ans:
11h19
